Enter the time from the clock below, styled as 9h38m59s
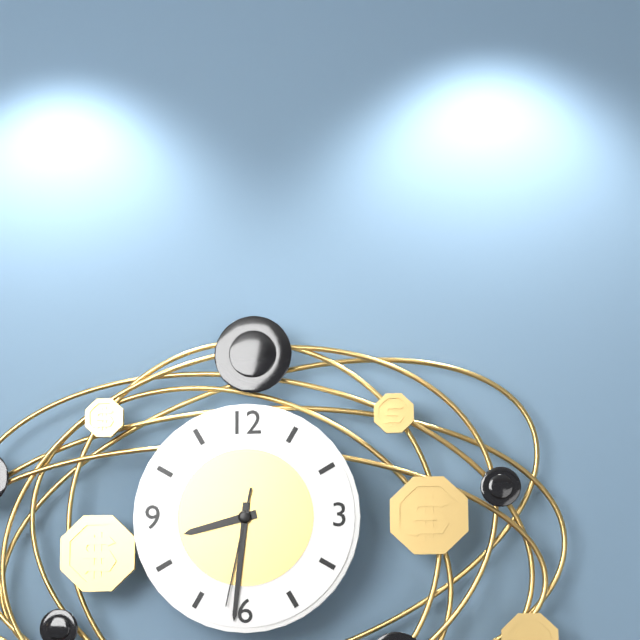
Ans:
8h31m32s
